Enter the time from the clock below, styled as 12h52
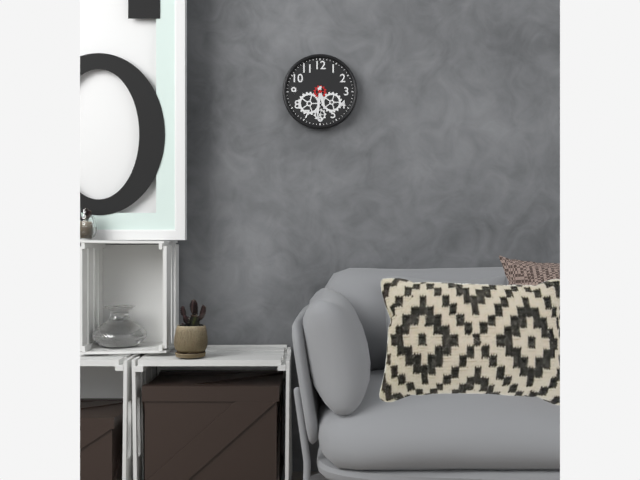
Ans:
5h31
